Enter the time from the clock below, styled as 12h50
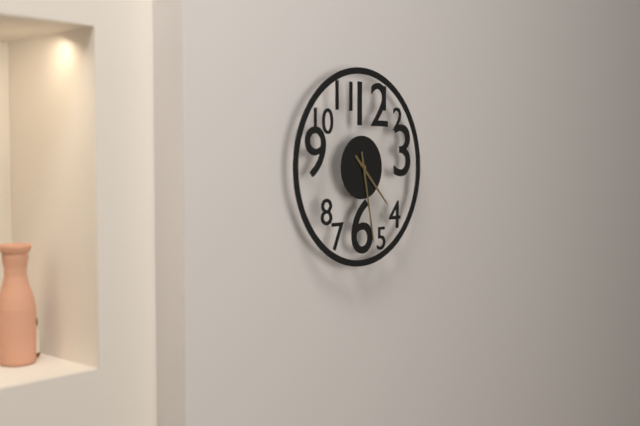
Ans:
4h28
